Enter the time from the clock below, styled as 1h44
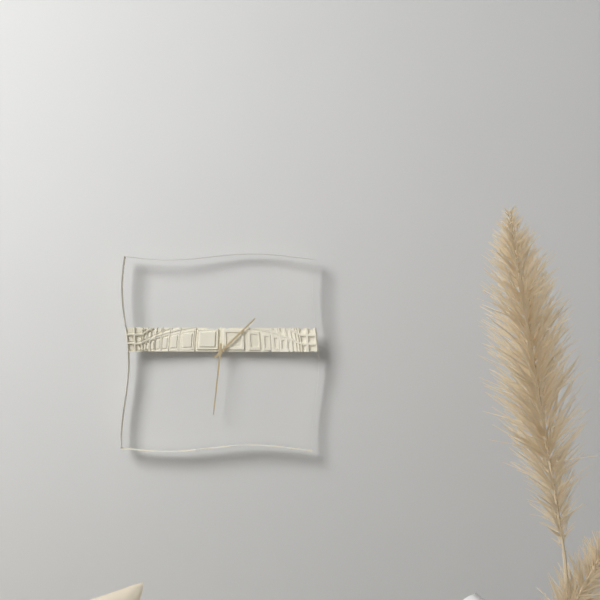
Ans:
1h31
